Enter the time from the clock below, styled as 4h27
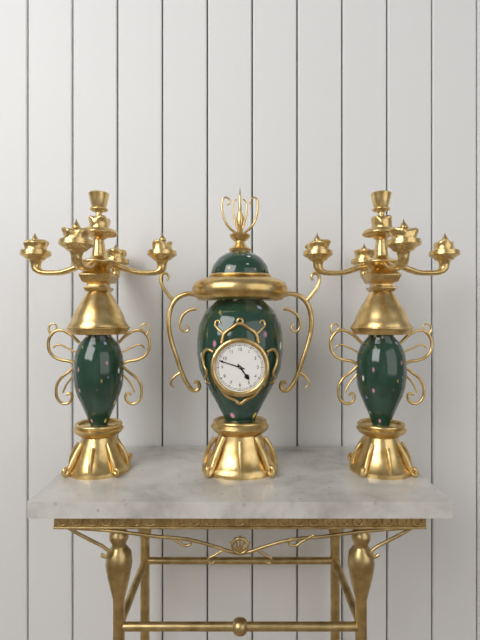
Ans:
4h48
